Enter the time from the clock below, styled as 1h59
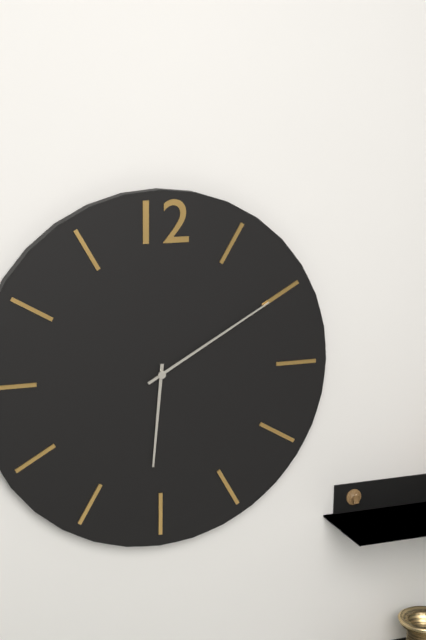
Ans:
6h10
